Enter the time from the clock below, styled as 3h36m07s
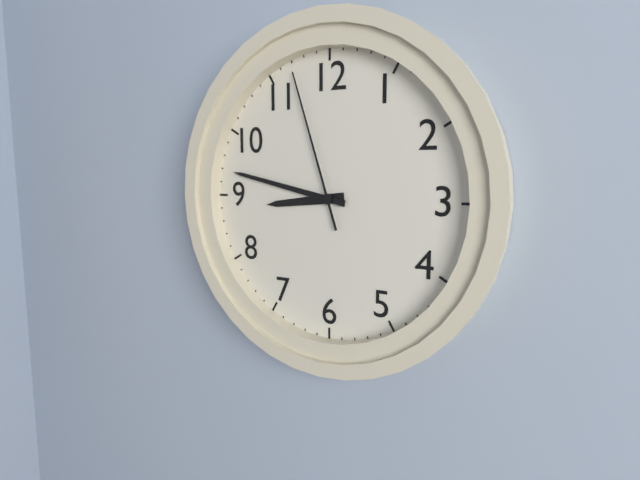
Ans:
8h47m57s
